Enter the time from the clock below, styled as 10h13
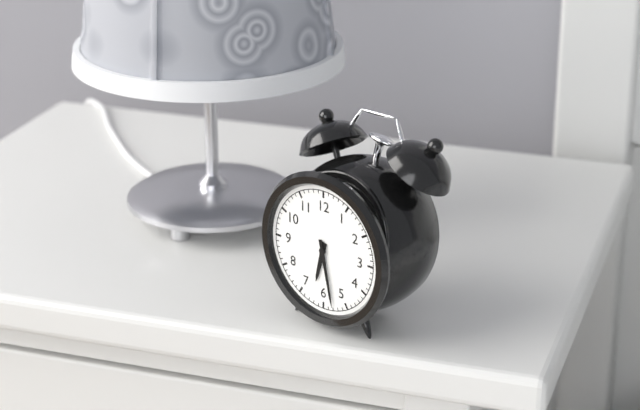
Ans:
6h28
